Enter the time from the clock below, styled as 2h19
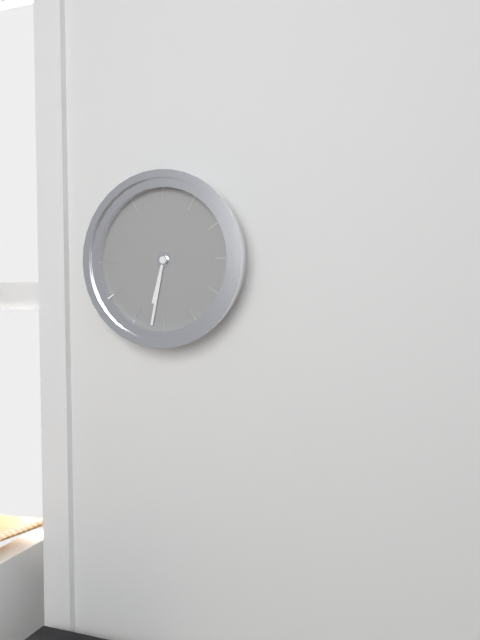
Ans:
6h32
